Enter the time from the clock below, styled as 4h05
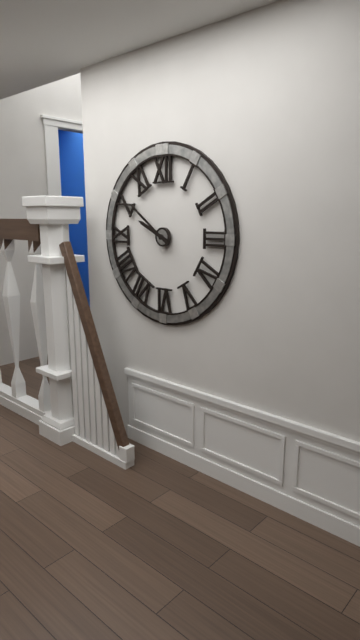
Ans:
9h51
